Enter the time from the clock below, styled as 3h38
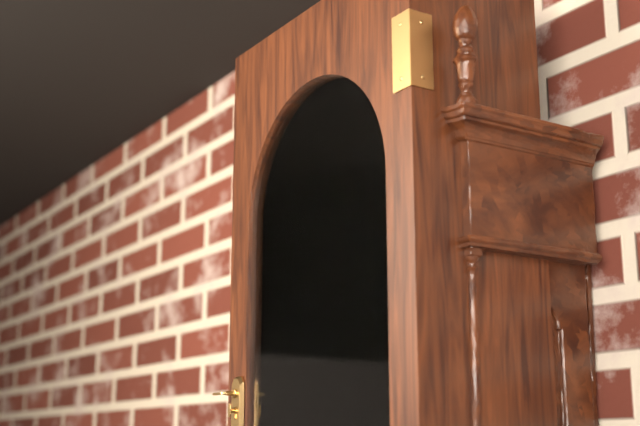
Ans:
7h20
